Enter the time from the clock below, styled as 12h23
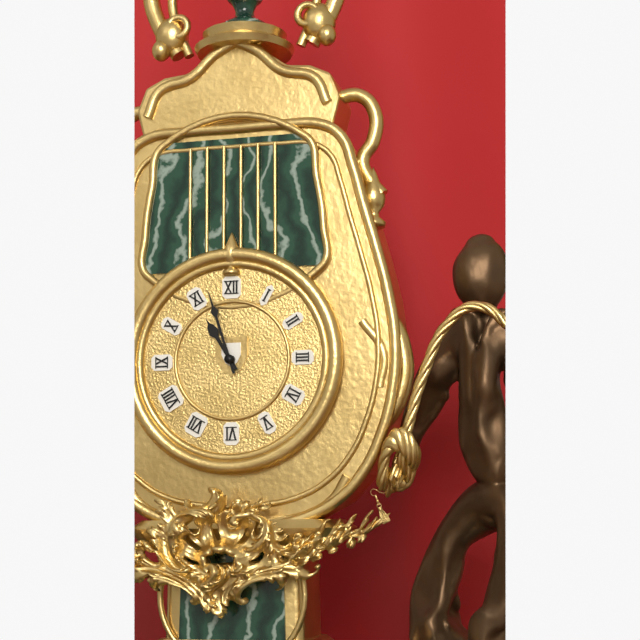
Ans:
10h57
